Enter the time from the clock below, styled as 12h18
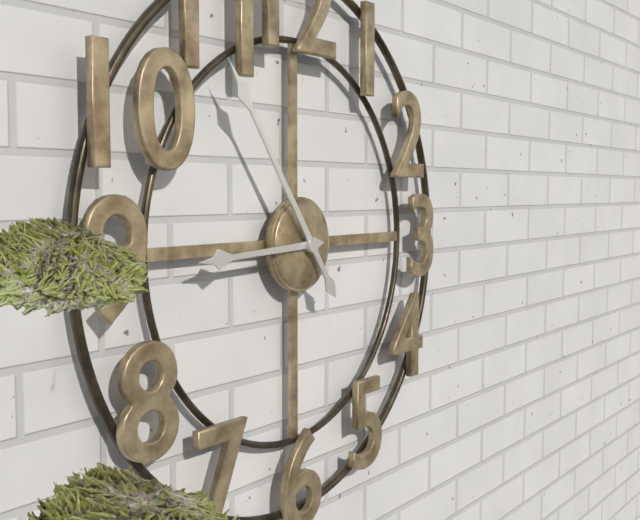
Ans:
8h54
